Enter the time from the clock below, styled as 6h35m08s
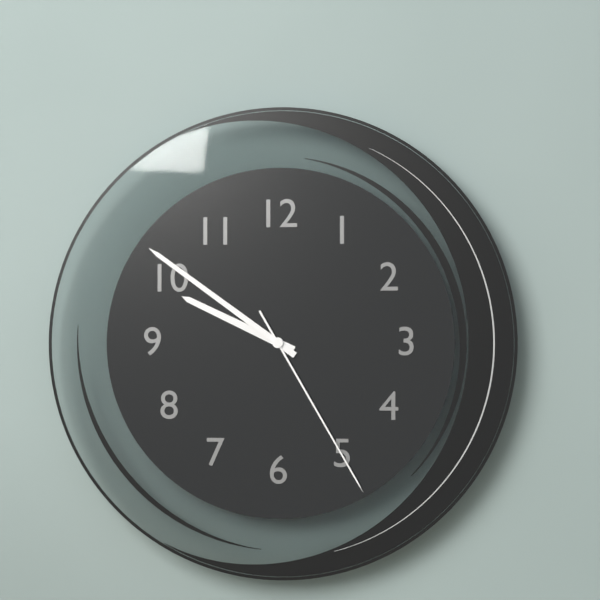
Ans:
9h51m25s
